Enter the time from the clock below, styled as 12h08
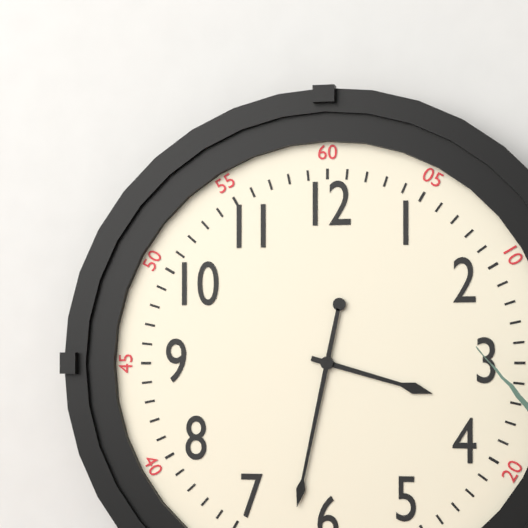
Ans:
3h32
